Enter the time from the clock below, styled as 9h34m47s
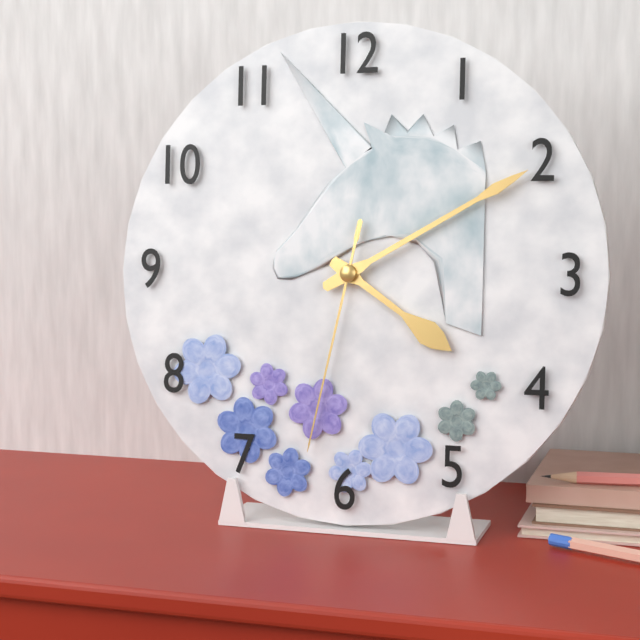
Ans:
4h10m32s
